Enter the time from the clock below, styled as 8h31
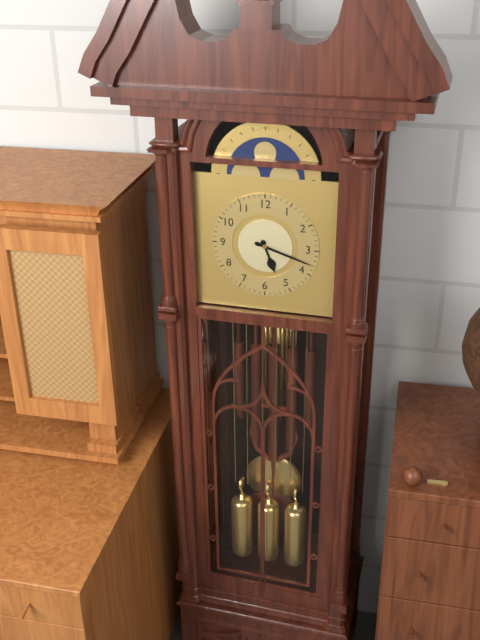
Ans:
5h18
